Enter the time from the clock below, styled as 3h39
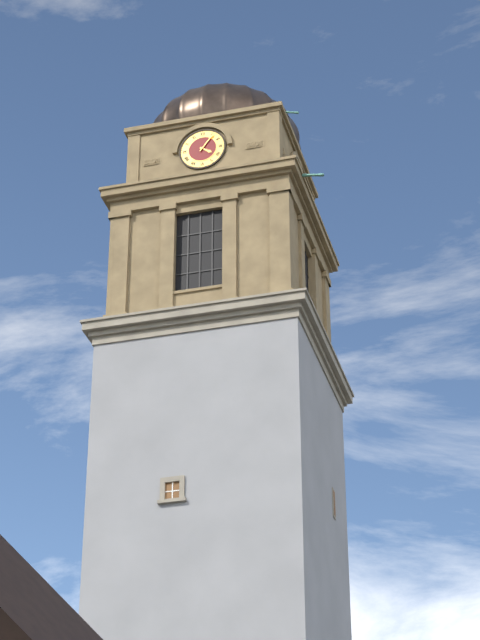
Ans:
4h06
